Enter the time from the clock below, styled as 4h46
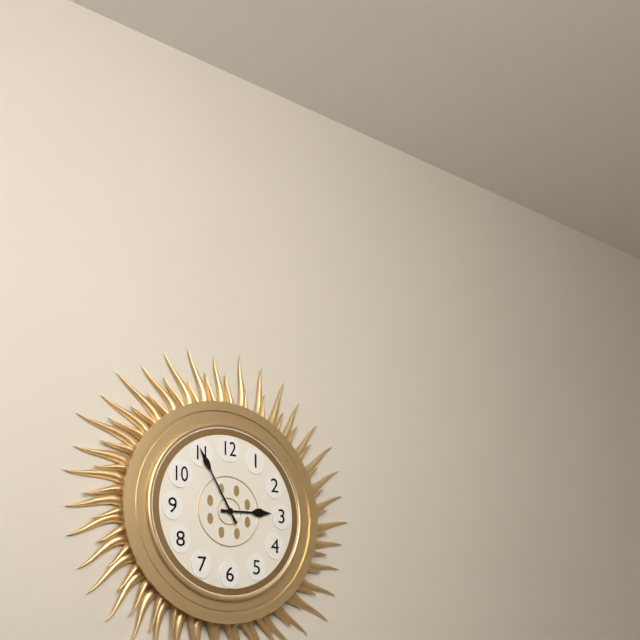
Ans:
2h55
